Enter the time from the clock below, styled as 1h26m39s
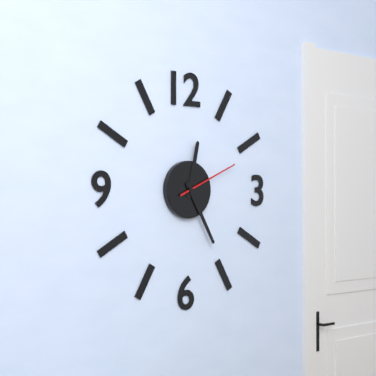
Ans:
12h25m11s
